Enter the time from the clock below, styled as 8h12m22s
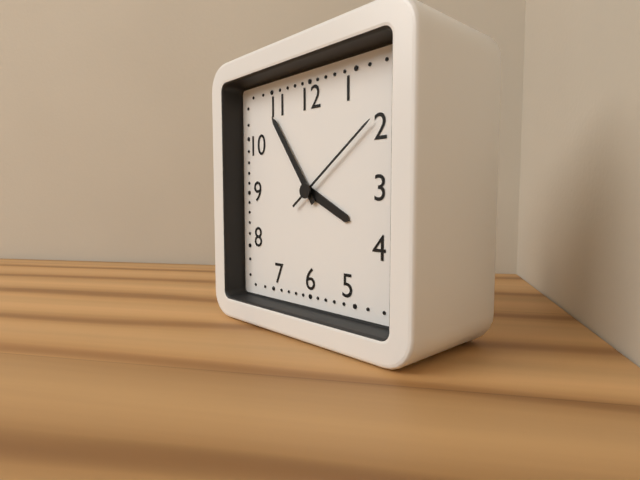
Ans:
3h54m09s
